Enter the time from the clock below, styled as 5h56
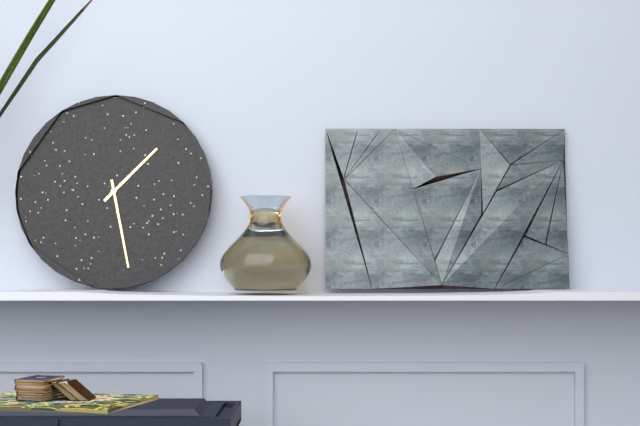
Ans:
1h28
